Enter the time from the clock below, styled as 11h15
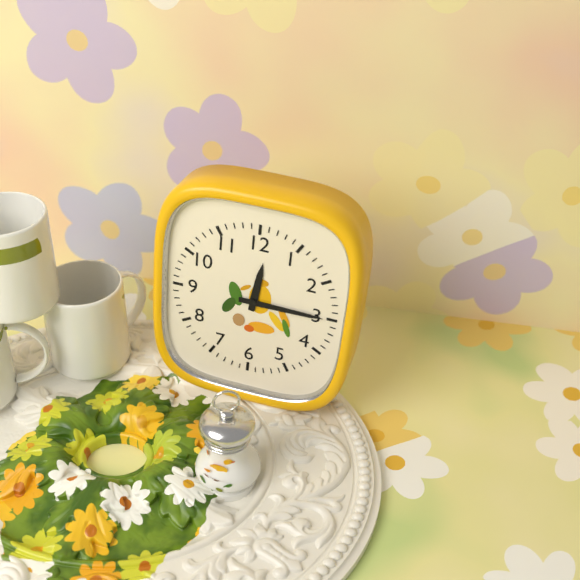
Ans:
12h15
